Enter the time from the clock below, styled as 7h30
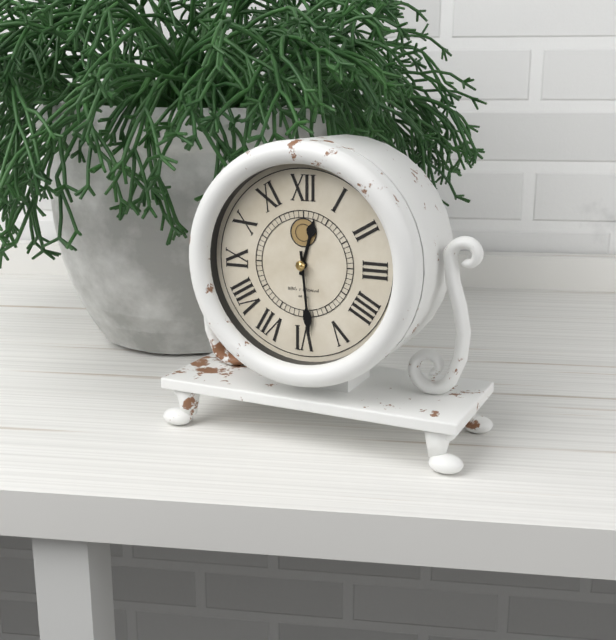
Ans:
12h29
